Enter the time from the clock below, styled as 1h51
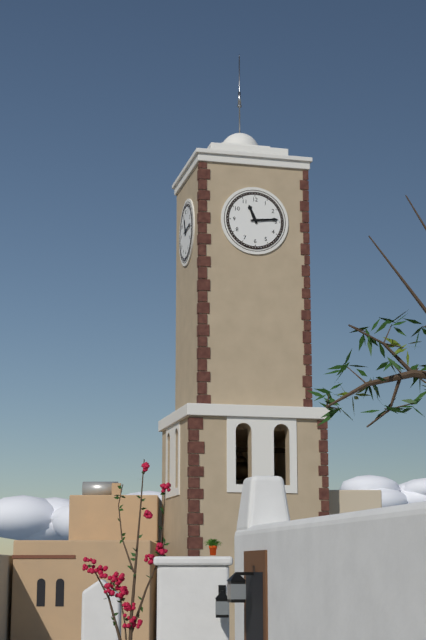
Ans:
11h14
